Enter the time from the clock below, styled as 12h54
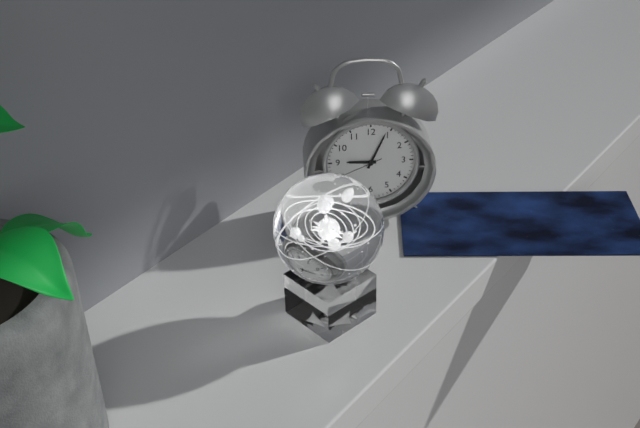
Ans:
9h04
